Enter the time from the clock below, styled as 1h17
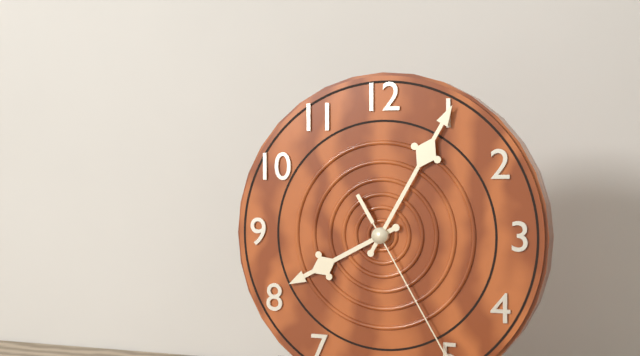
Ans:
8h05
